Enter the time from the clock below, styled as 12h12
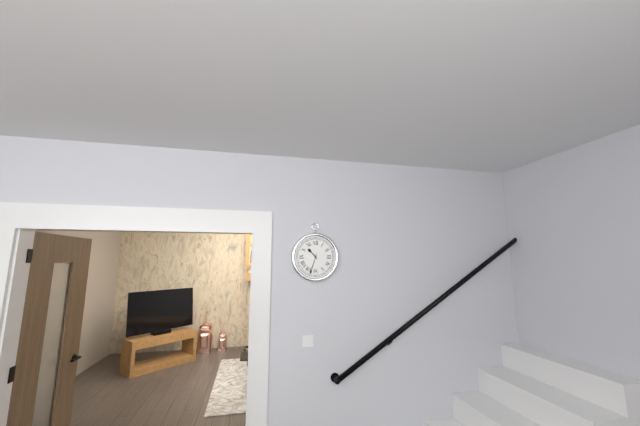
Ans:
10h33
